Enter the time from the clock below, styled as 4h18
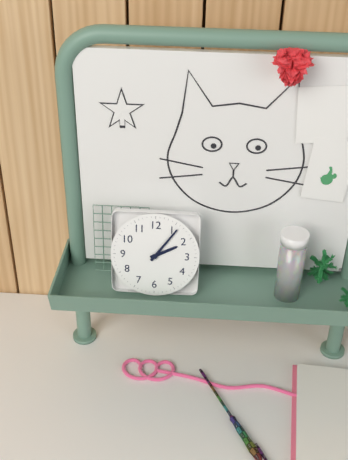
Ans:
2h06
